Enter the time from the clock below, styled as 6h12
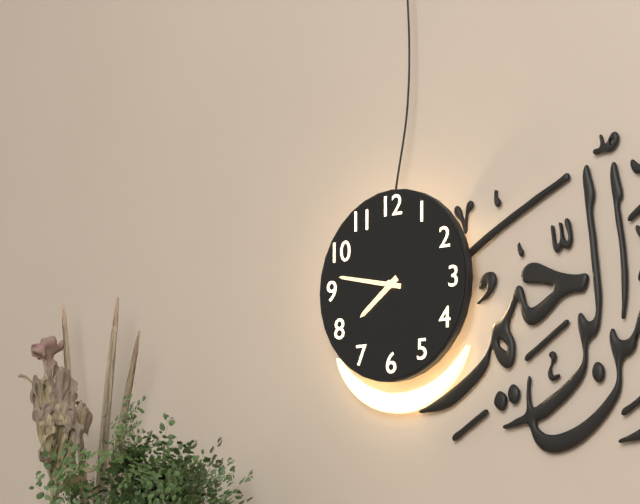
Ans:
7h47
